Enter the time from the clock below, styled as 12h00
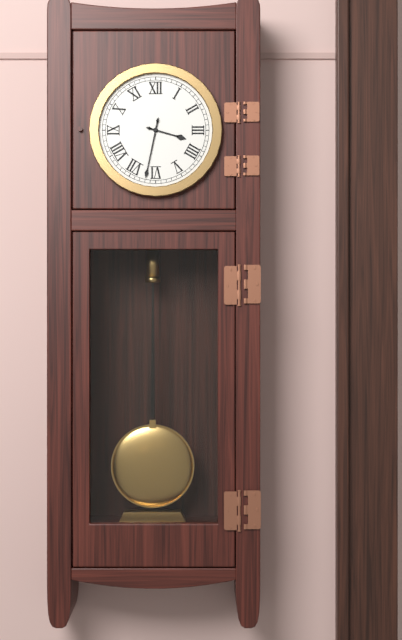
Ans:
3h32
